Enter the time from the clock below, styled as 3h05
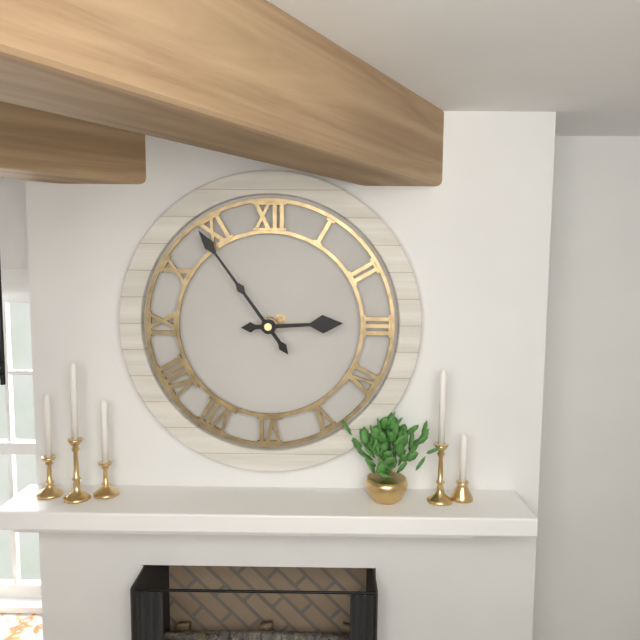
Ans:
2h54
